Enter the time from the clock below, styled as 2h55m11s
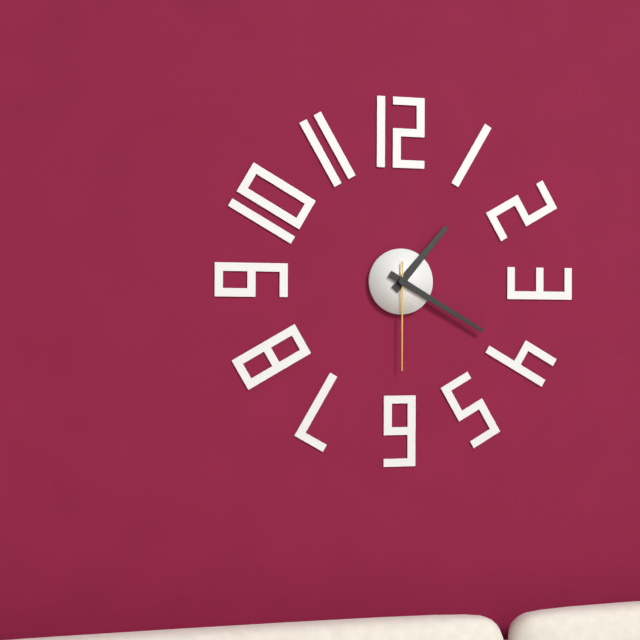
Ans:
1h20m30s
